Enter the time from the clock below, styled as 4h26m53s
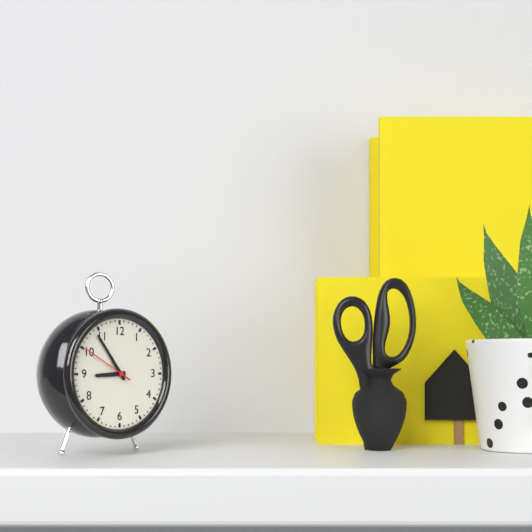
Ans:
8h54m50s
